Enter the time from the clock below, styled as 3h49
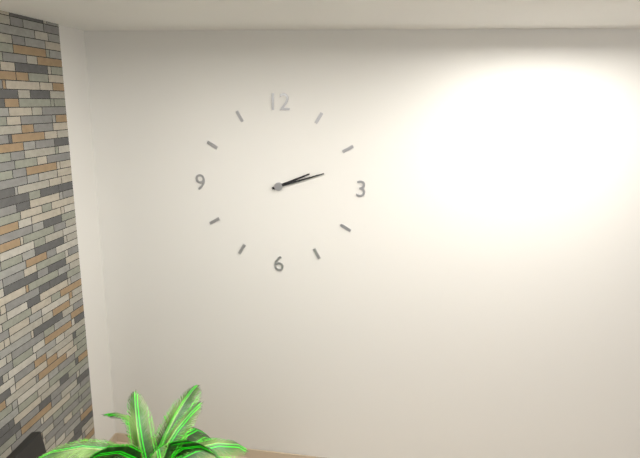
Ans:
2h12
